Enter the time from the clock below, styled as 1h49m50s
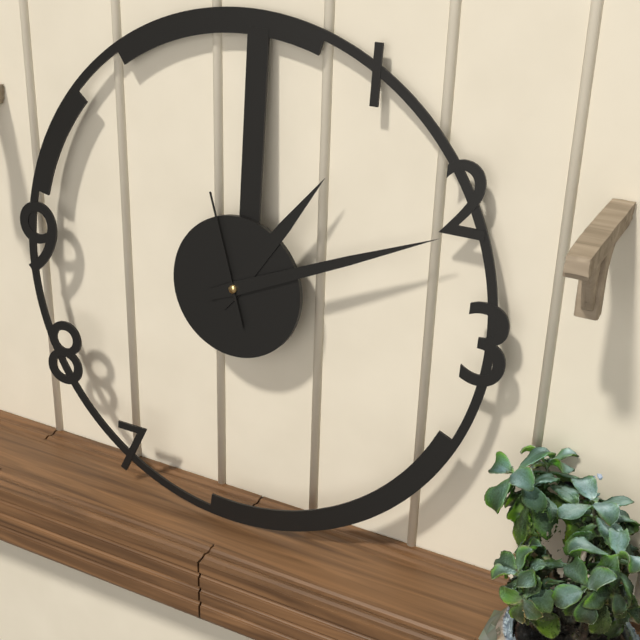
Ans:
1h11m57s
